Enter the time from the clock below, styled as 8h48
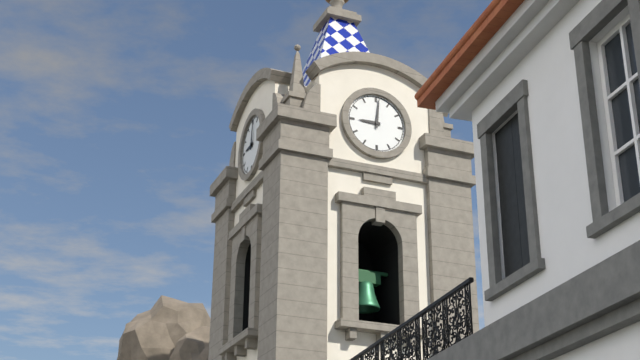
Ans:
9h01
